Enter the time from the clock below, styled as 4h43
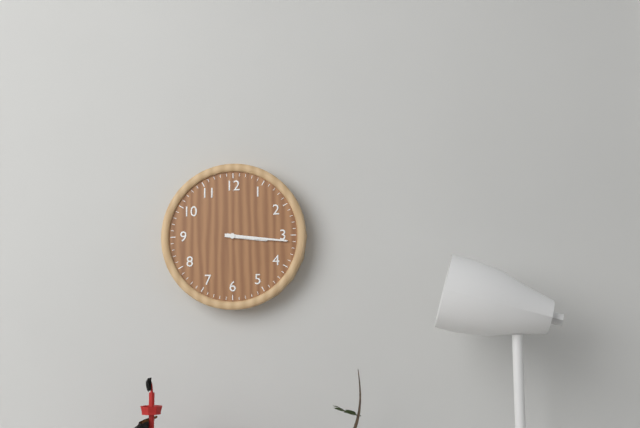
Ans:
3h16
